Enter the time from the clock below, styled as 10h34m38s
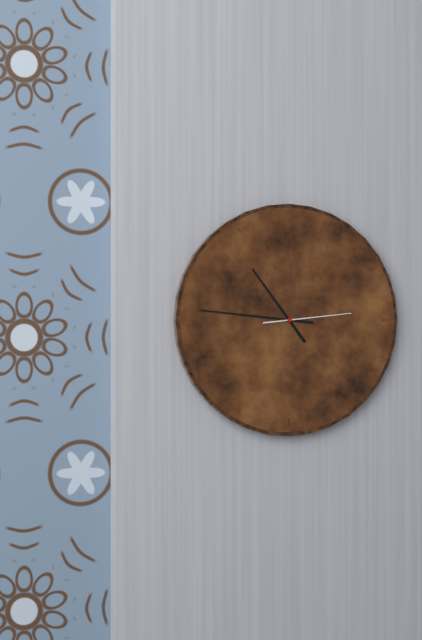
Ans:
10h46m14s
